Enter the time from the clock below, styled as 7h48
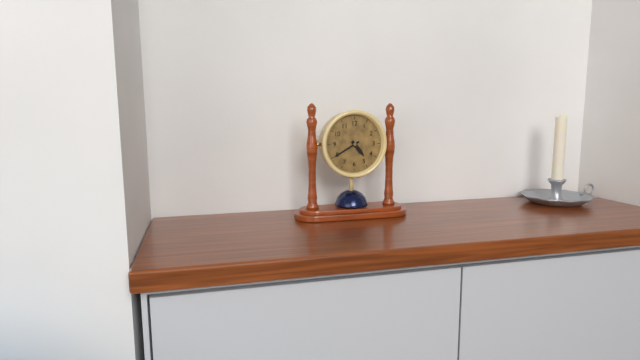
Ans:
4h40
